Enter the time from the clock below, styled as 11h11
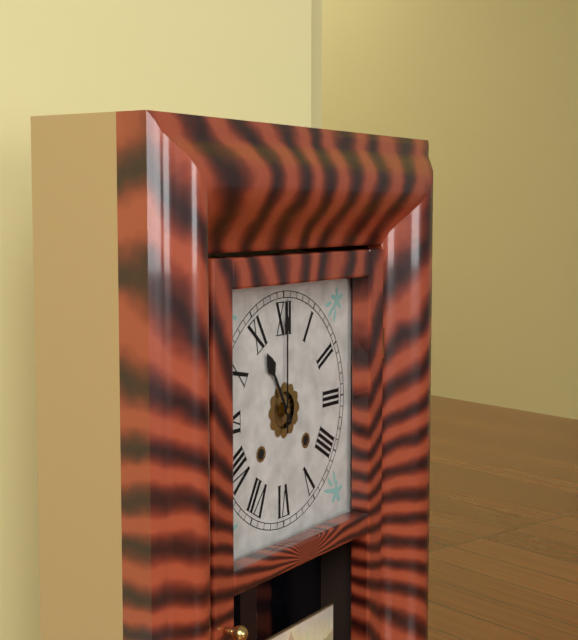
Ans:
11h00
